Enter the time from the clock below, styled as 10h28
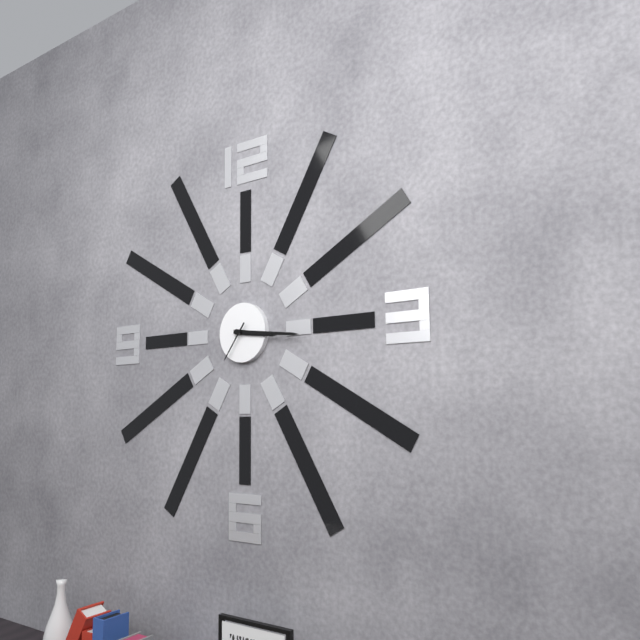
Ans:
3h16
